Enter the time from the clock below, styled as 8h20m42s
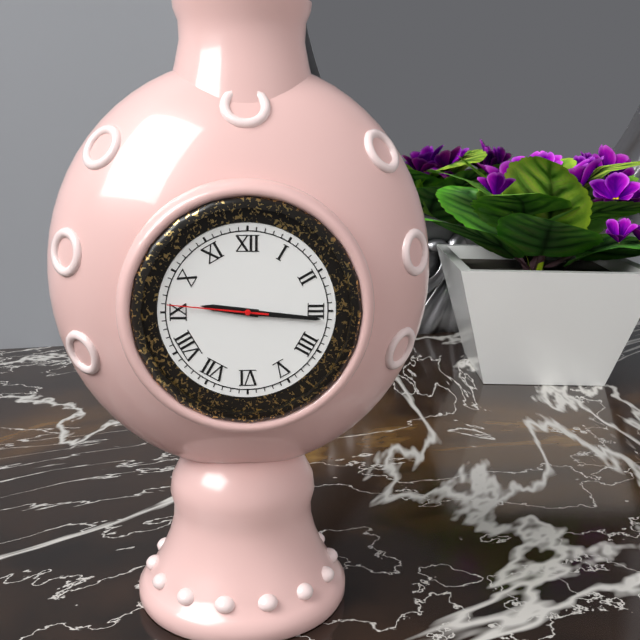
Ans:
9h16m46s
